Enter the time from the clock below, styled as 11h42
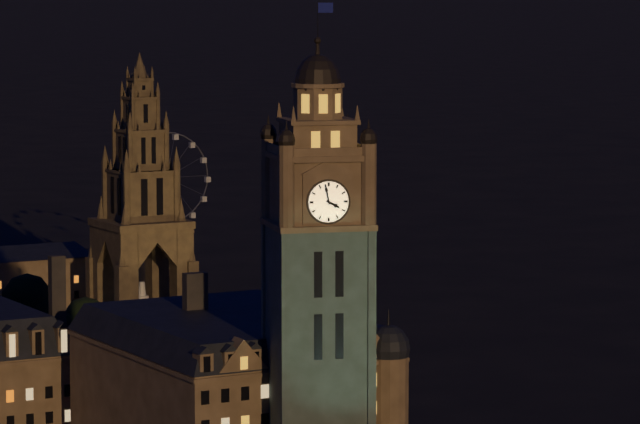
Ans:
3h58
